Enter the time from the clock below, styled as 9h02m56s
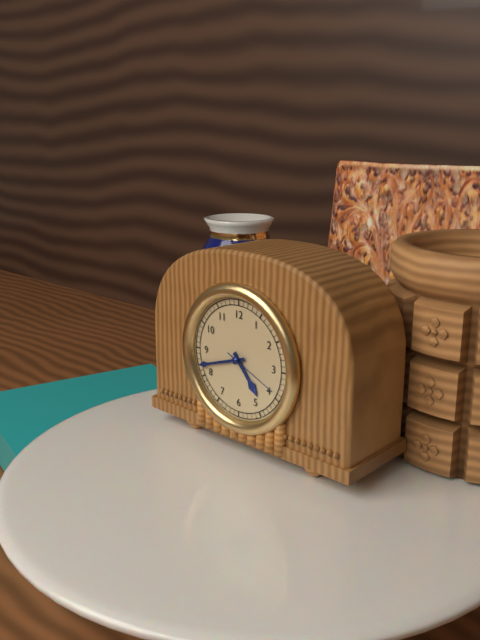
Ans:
4h42m19s
